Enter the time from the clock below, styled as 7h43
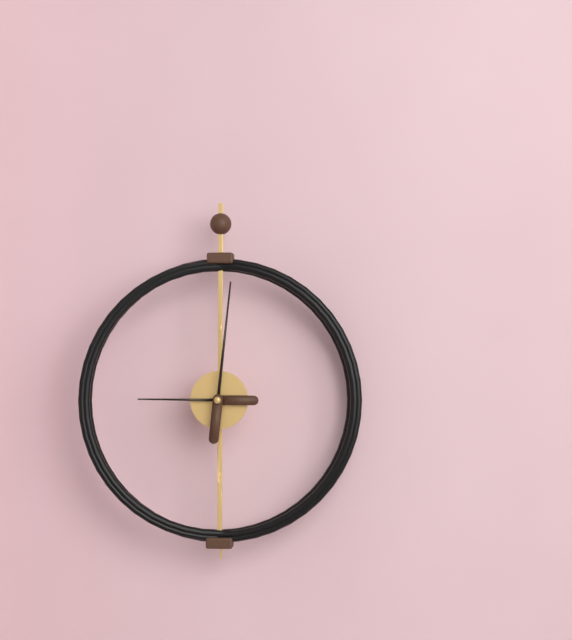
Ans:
9h01
